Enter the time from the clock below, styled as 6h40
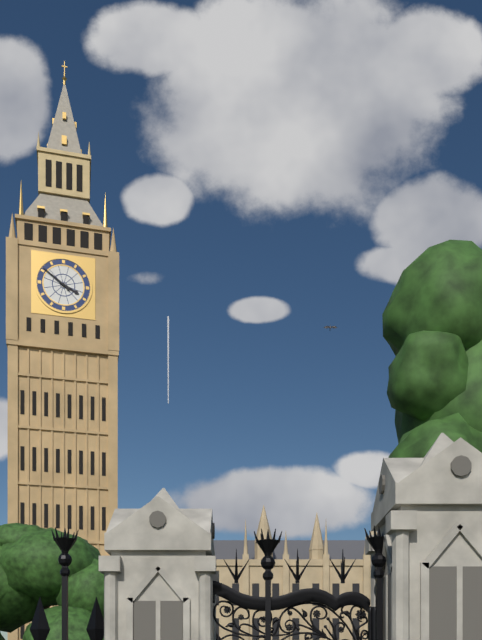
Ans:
3h51
